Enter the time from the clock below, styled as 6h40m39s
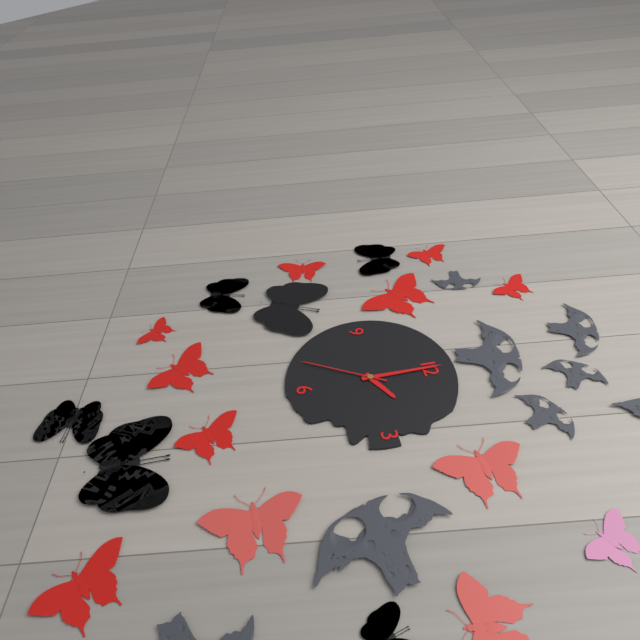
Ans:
2h00m35s
